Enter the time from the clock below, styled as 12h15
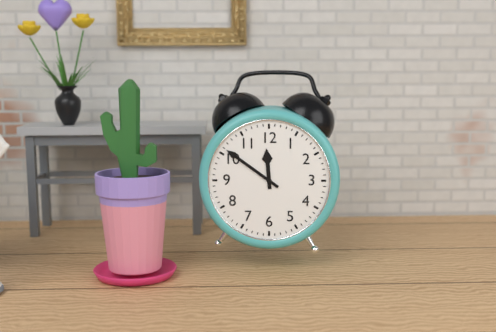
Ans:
11h51
